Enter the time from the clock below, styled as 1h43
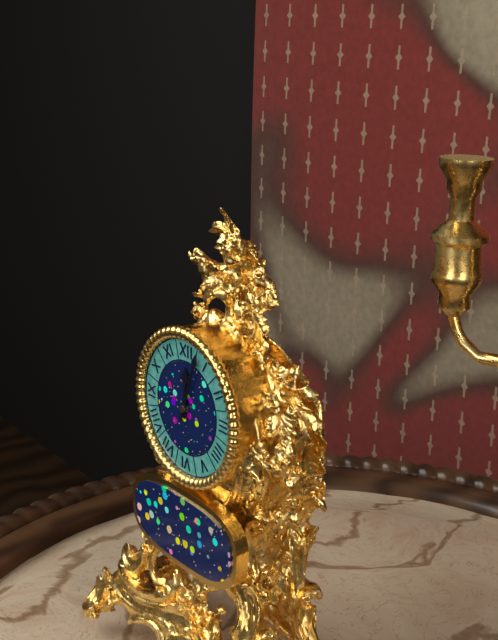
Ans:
12h03
